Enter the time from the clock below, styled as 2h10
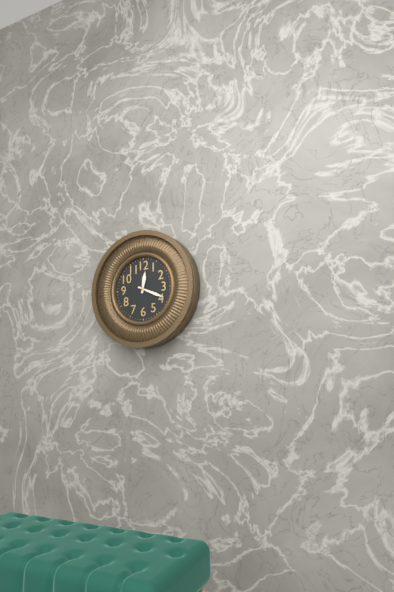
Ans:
12h19
